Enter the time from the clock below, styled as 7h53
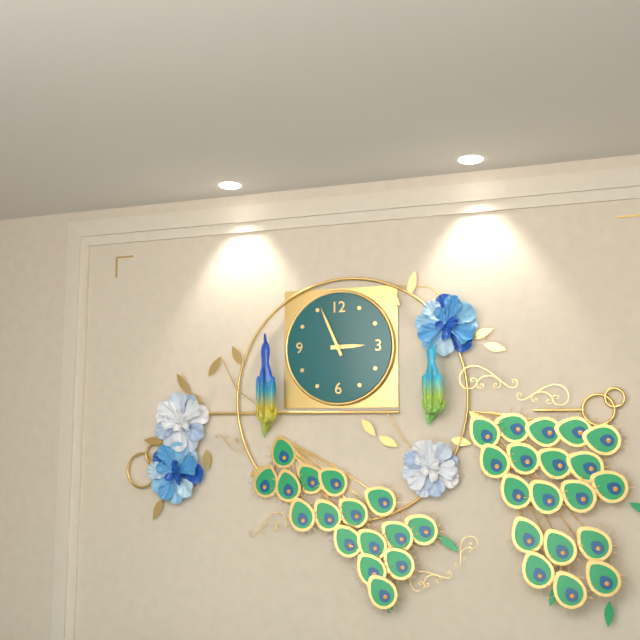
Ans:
2h56
